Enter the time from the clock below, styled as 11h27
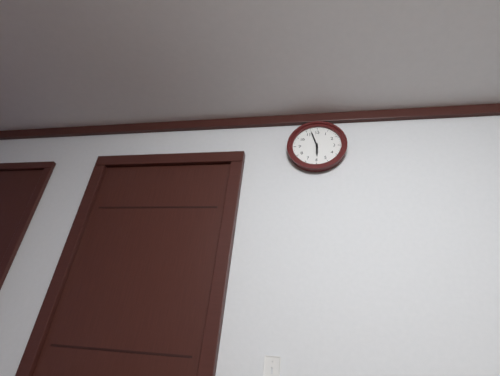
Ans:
5h57
